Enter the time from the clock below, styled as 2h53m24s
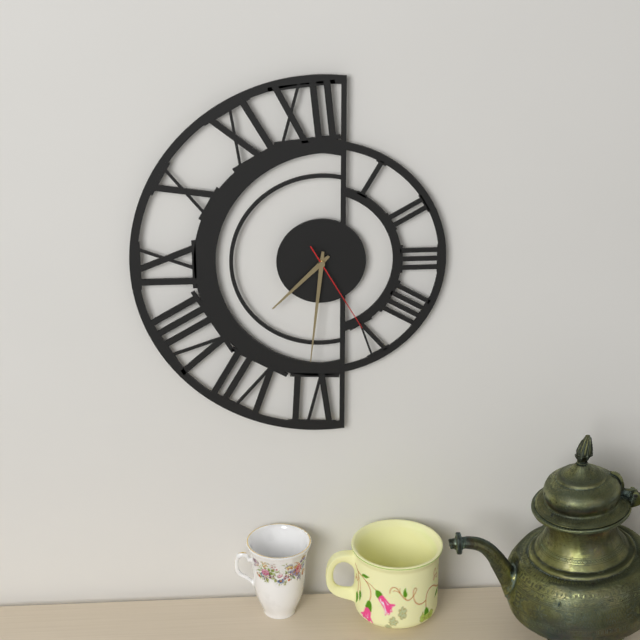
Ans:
7h31m25s
